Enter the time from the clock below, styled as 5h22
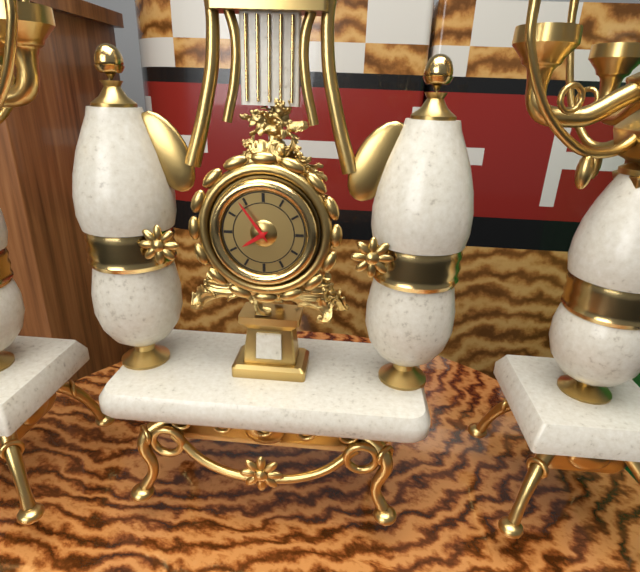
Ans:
7h54
